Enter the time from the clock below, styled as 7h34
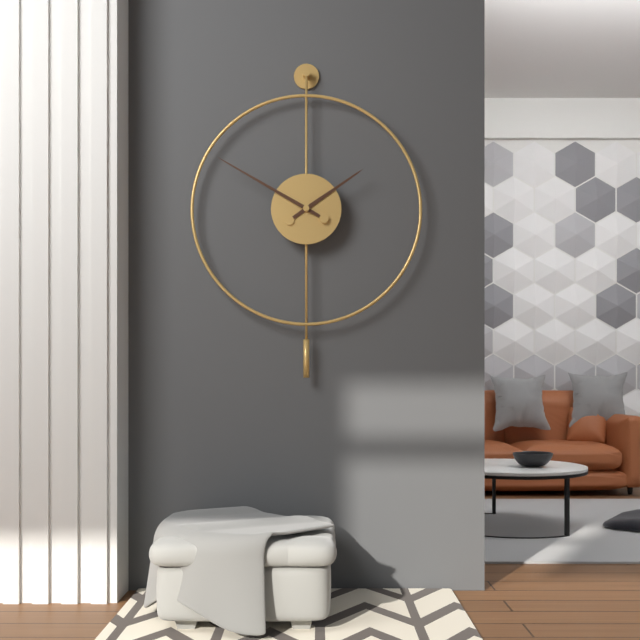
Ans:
1h50
